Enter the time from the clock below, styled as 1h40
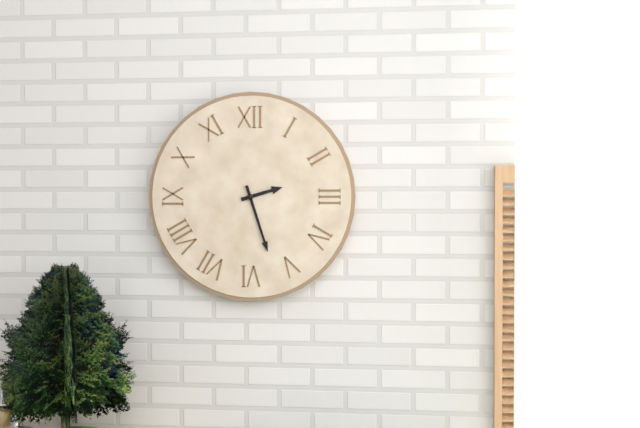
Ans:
2h27
